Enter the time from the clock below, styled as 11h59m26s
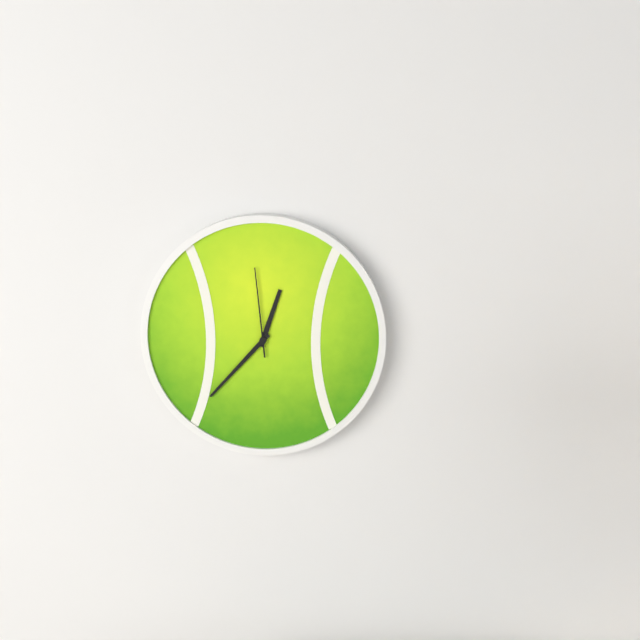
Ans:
12h37m59s
